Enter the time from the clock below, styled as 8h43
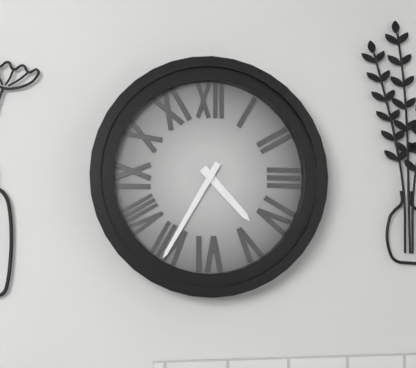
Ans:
4h35
